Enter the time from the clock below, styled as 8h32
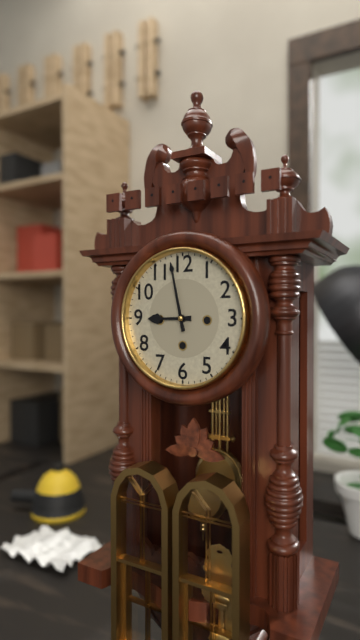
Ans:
8h58
